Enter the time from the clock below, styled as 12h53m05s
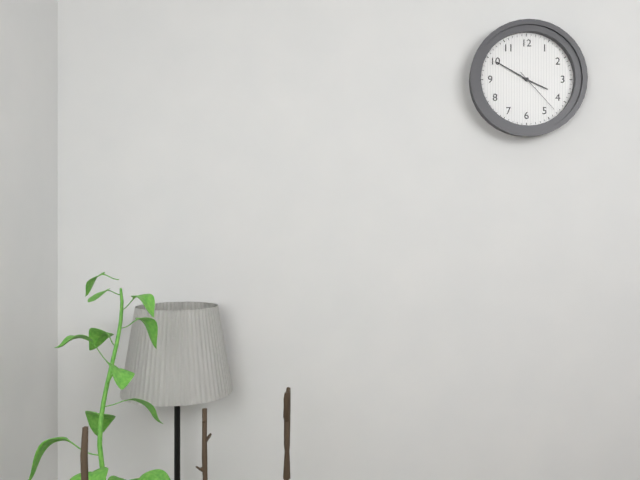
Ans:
3h50m23s
